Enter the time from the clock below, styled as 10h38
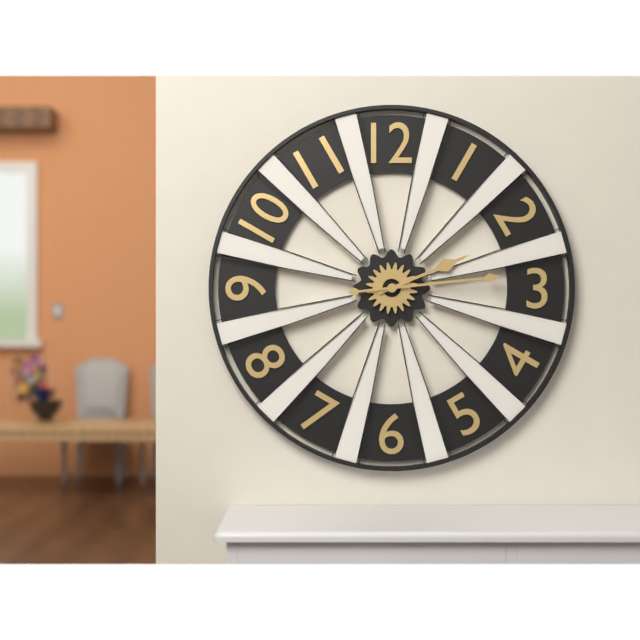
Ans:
2h14
